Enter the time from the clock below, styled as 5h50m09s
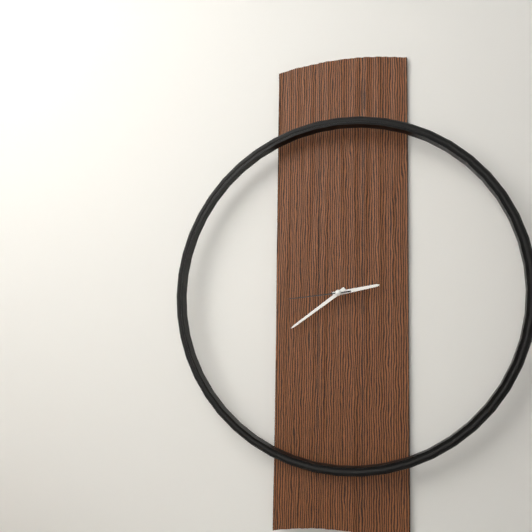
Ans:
2h39m44s
